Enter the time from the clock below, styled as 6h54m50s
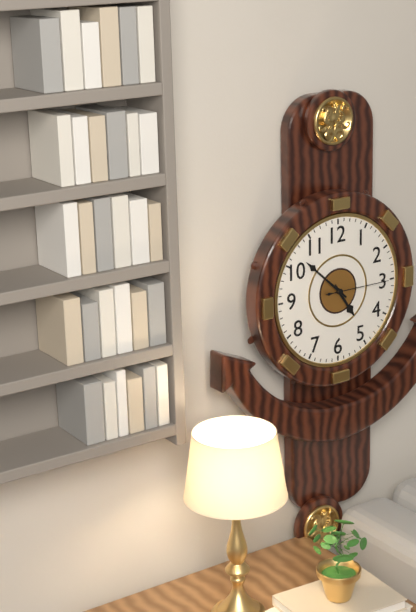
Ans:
4h52m15s
